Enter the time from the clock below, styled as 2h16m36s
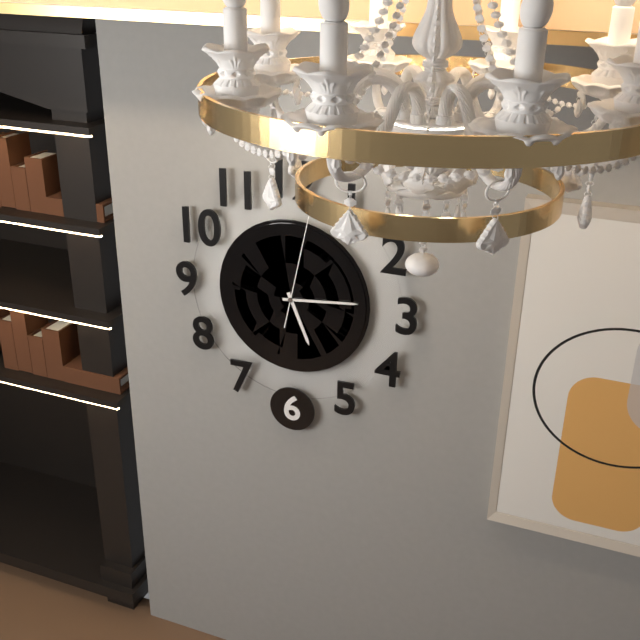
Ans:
5h14m02s
